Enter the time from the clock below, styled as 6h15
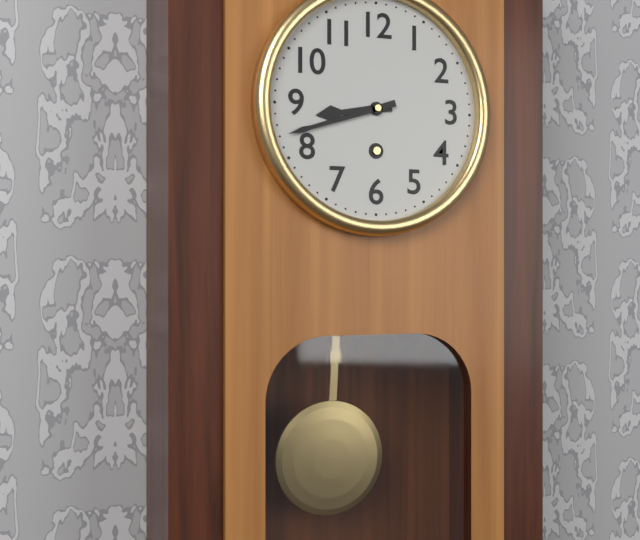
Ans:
8h42
